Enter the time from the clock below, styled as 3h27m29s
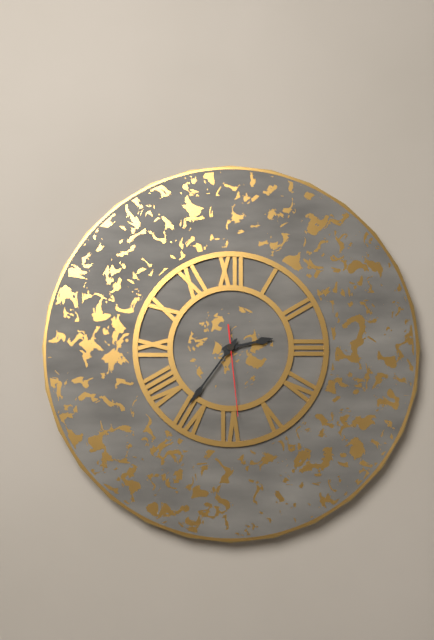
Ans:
2h36m29s
